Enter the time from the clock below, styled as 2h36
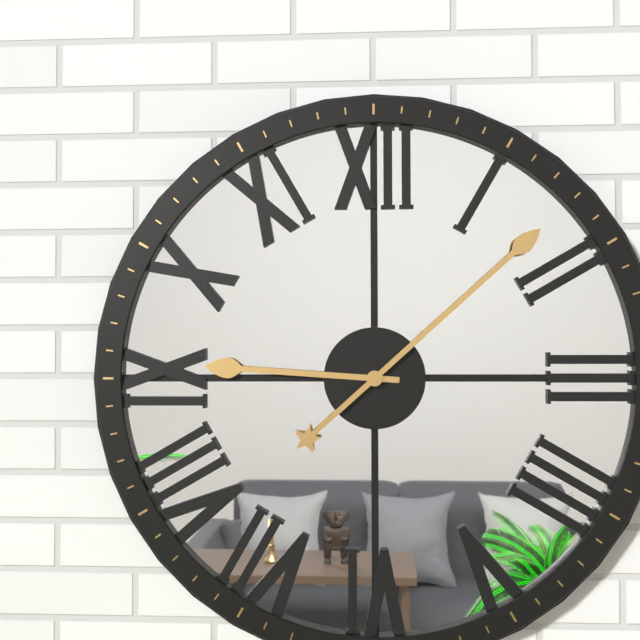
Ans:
9h08
